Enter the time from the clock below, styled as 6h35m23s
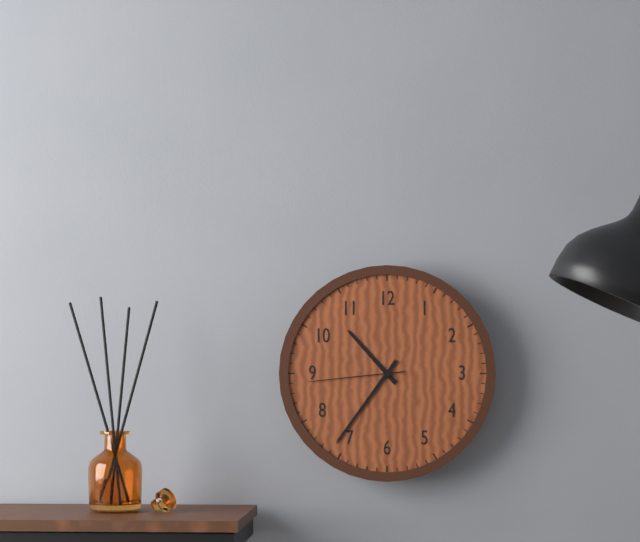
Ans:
10h36m44s
